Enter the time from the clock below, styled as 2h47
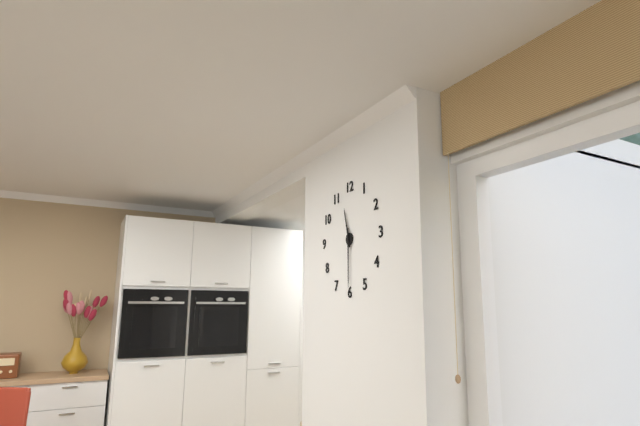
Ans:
11h30
